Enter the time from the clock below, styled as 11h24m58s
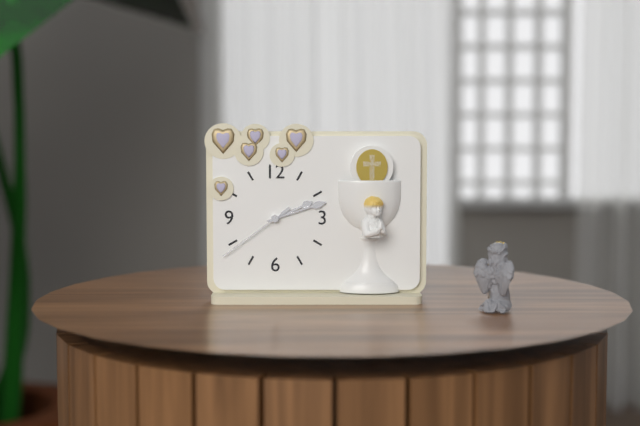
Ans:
2h12m39s
